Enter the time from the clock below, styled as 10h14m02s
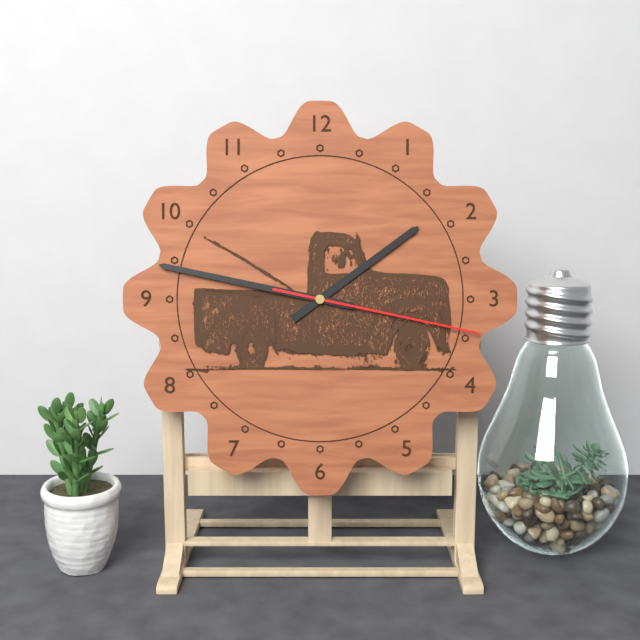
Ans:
1h47m17s
